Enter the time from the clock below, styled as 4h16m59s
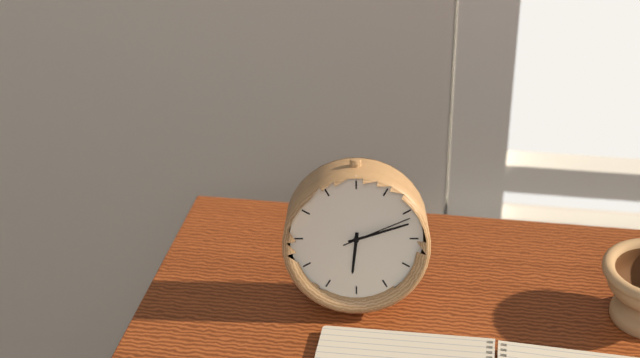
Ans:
6h12m11s
